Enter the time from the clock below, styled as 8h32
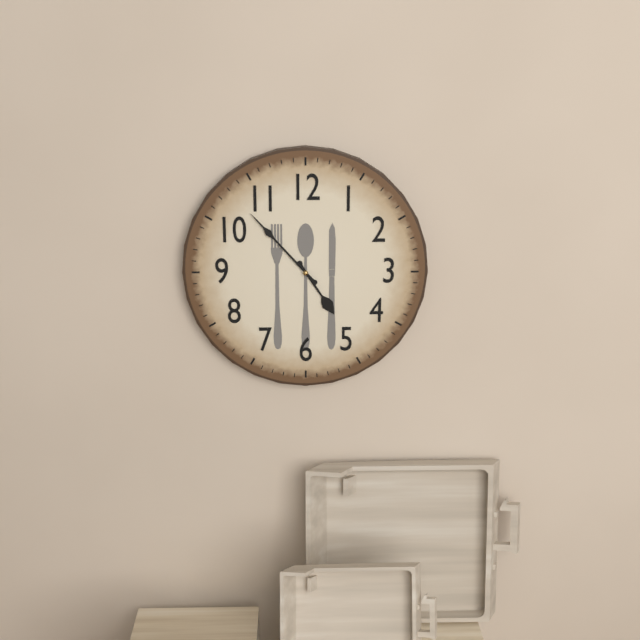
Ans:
4h53
